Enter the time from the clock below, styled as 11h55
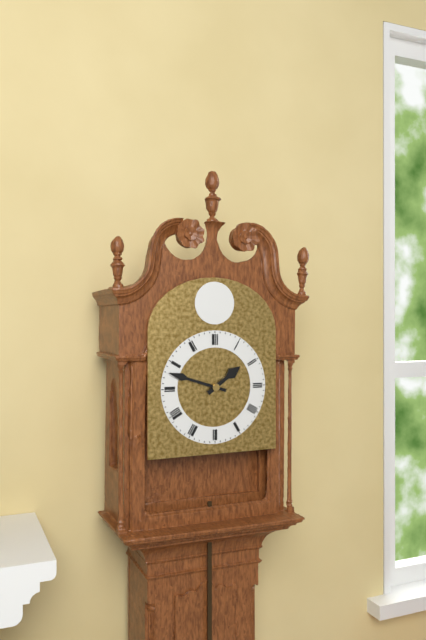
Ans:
1h48
